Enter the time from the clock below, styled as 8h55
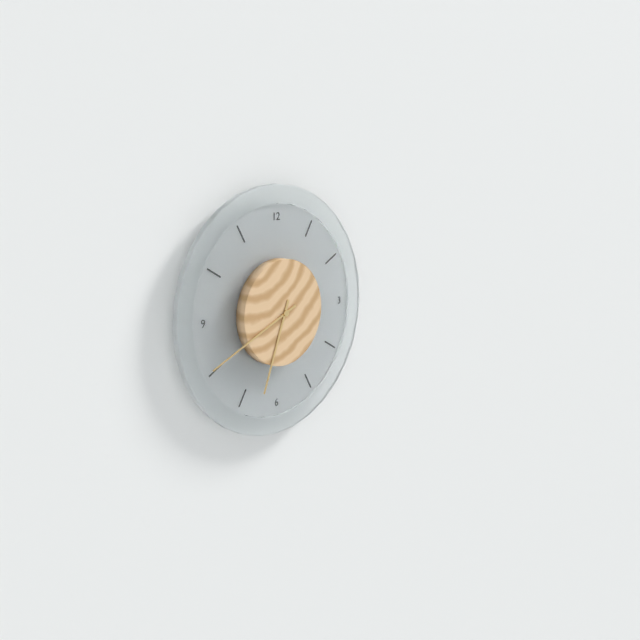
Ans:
6h41
